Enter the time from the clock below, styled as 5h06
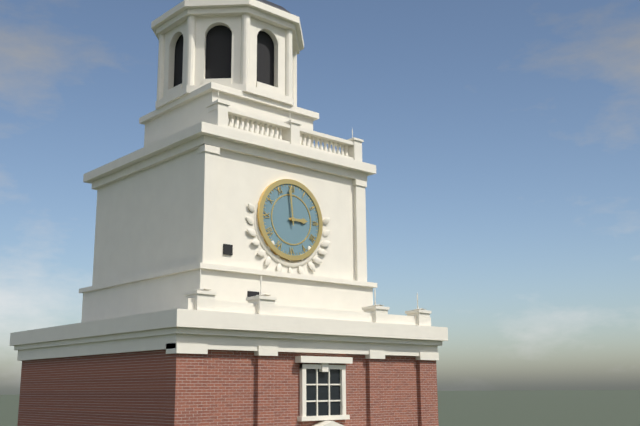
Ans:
2h59
